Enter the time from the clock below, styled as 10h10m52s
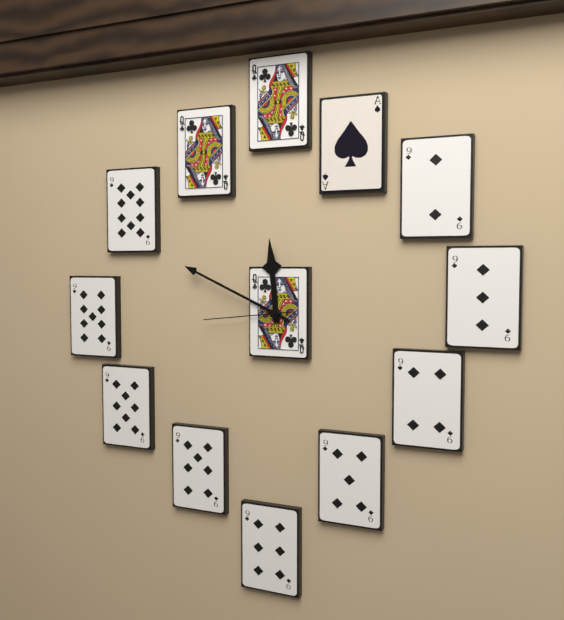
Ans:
11h49m44s
